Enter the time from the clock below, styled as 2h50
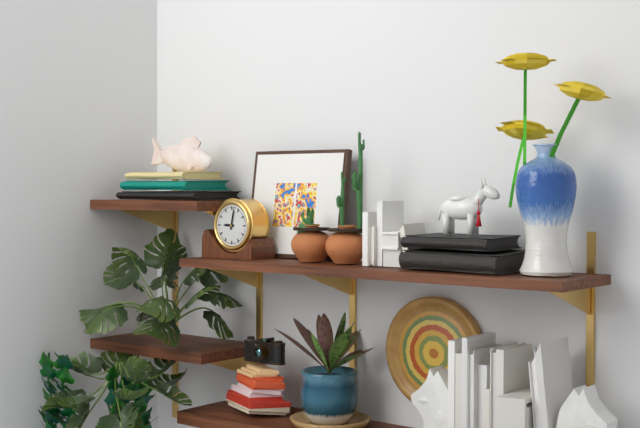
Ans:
9h02
